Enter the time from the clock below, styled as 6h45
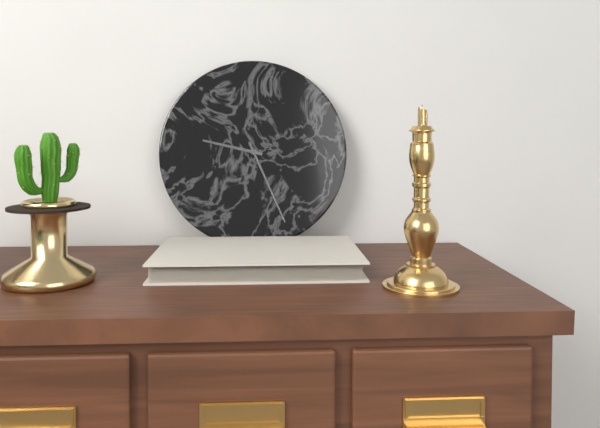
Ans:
9h26
